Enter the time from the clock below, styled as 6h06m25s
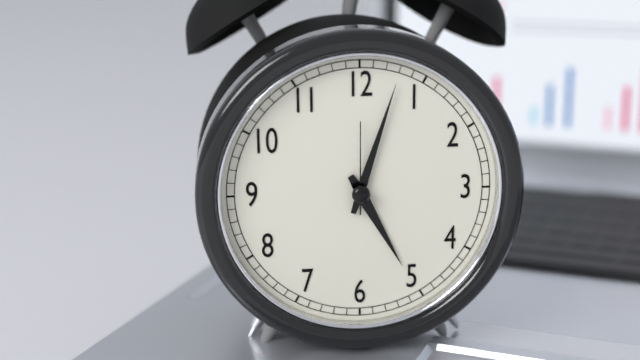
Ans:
5h03m00s
